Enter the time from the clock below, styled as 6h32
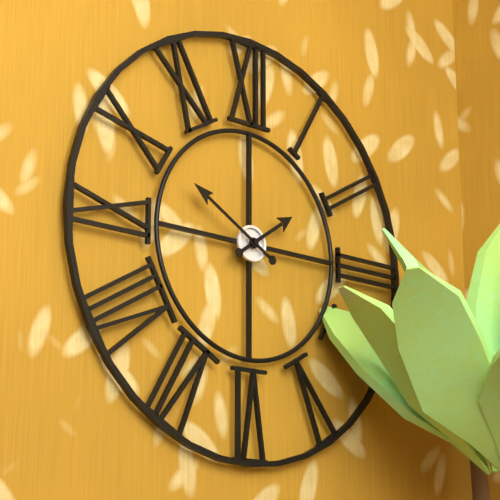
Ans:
1h50
